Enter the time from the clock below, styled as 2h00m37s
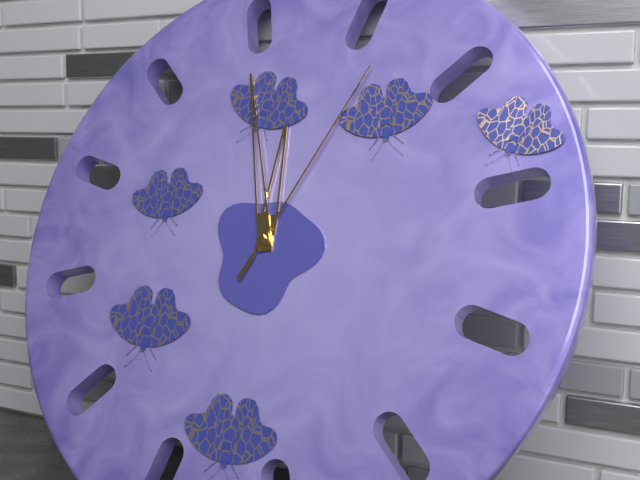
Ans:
11h57m04s
